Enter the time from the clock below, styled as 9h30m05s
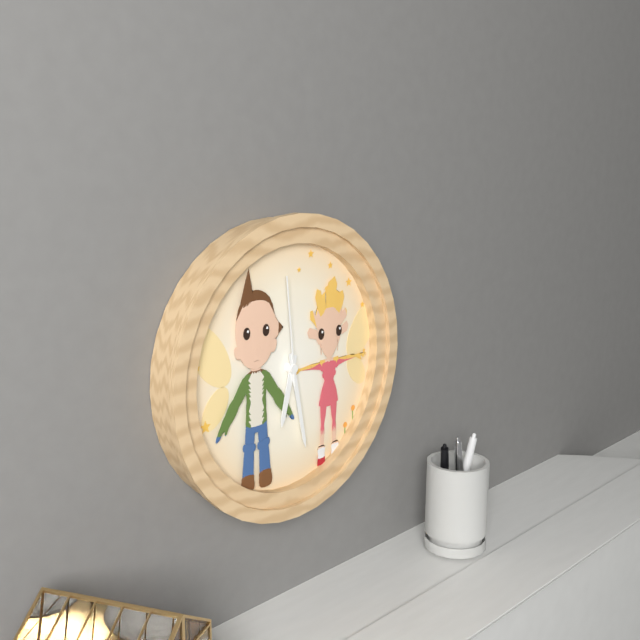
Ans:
6h28m59s
